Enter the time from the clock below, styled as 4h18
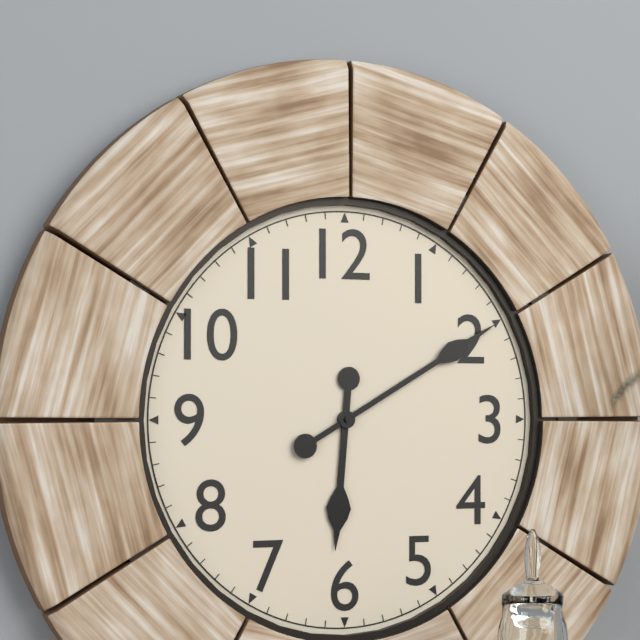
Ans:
6h10
